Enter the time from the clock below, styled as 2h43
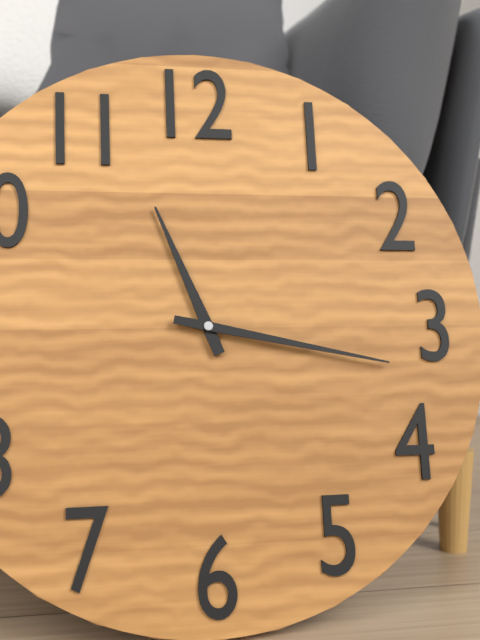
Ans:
11h17
